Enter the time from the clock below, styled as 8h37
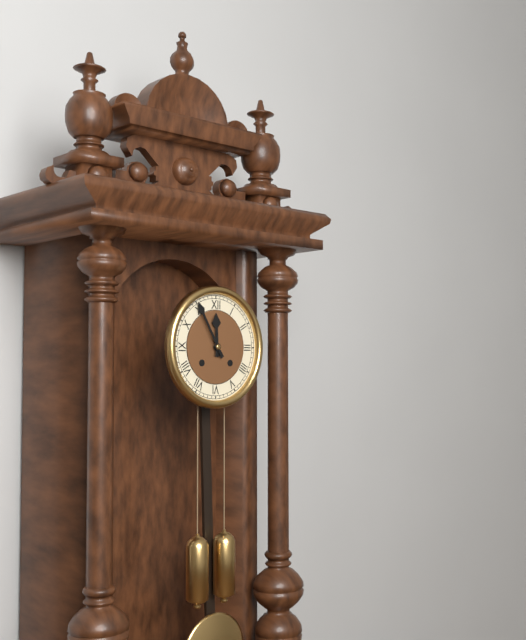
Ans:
11h55
